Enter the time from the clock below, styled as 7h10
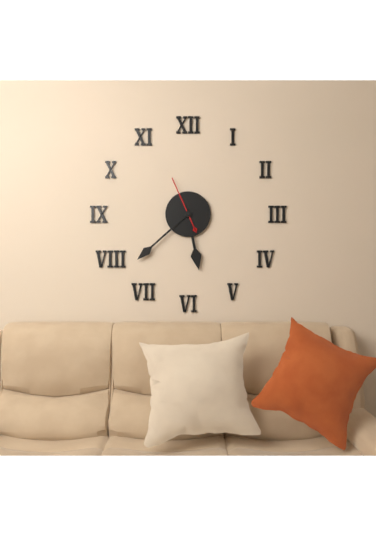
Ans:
5h38
